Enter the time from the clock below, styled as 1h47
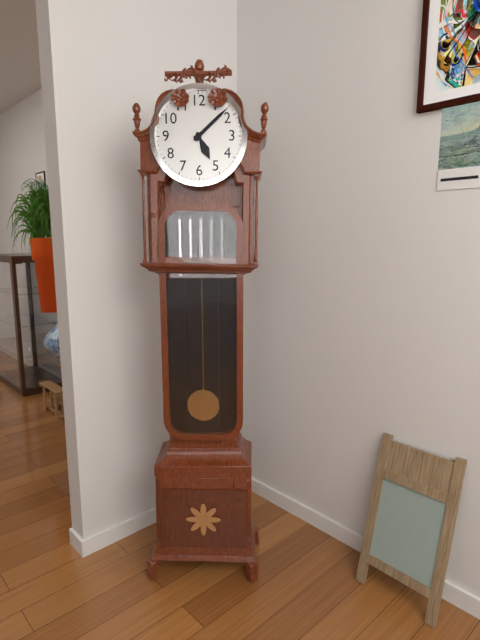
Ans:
5h08
